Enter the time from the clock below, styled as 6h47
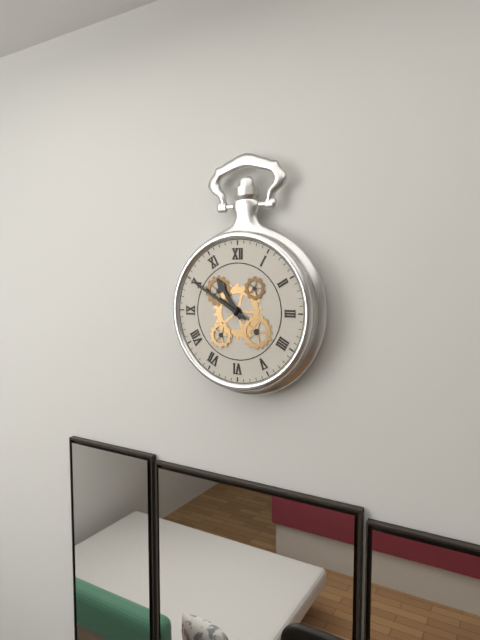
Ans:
10h50
